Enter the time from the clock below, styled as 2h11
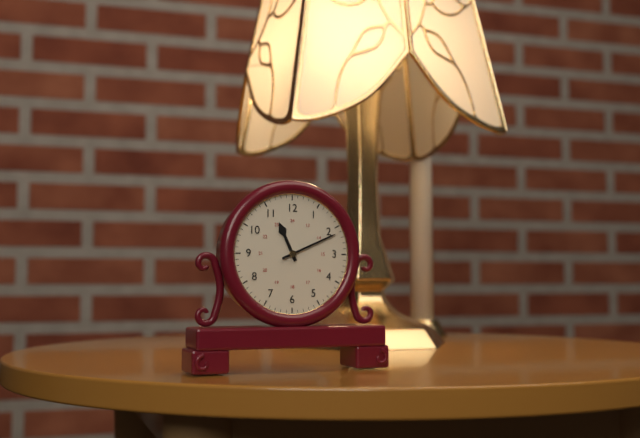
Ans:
11h11
